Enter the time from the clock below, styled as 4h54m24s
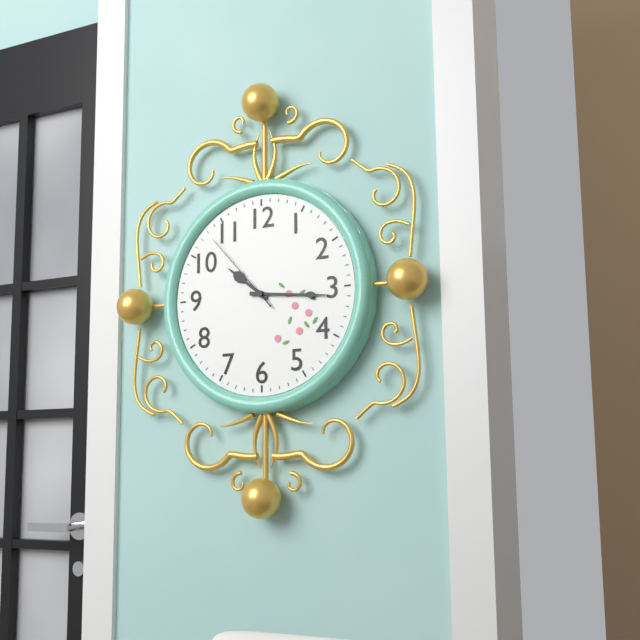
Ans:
10h16m53s
